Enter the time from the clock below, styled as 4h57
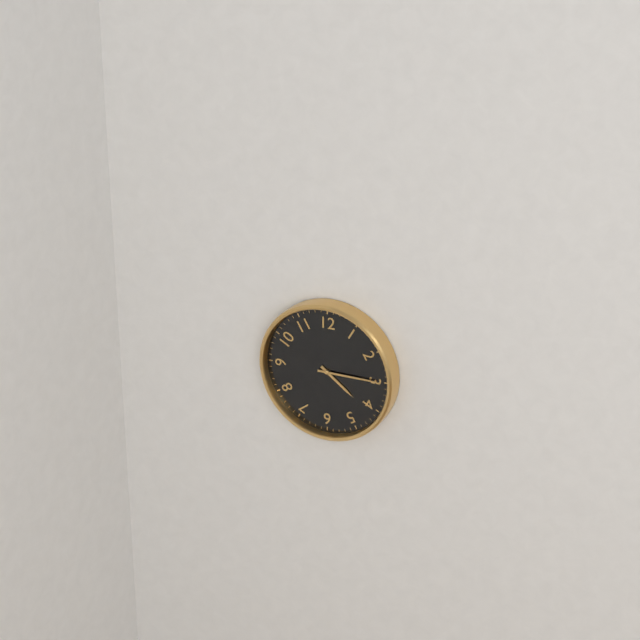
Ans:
4h15
